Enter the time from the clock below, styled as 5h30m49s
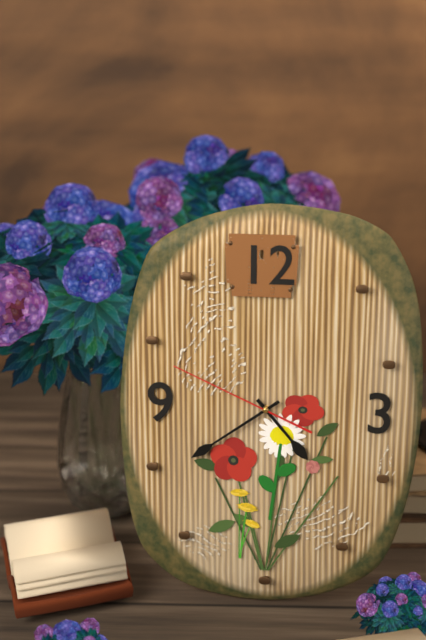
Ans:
4h39m49s
